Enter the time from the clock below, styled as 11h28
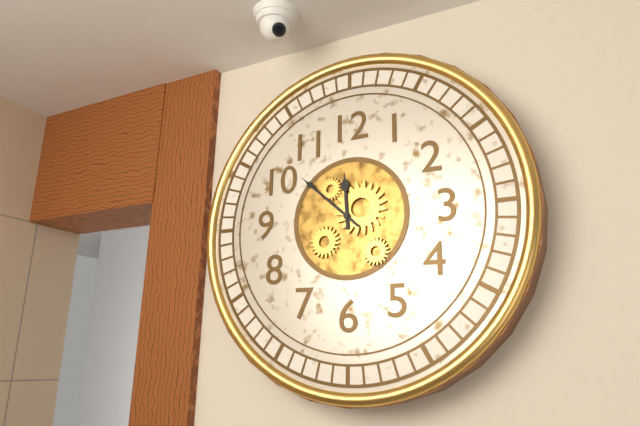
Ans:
11h52
